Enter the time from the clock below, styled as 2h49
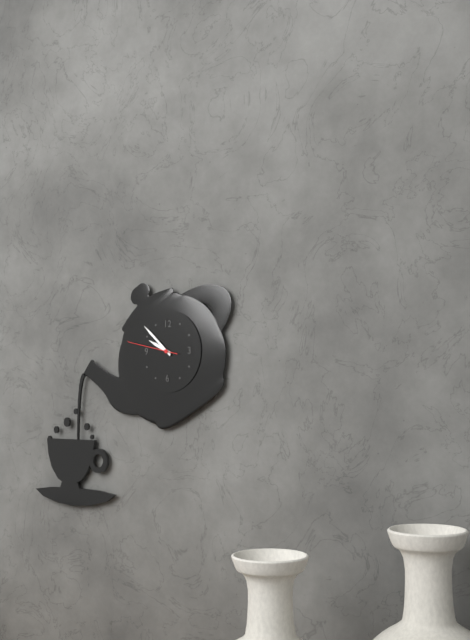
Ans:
9h52
